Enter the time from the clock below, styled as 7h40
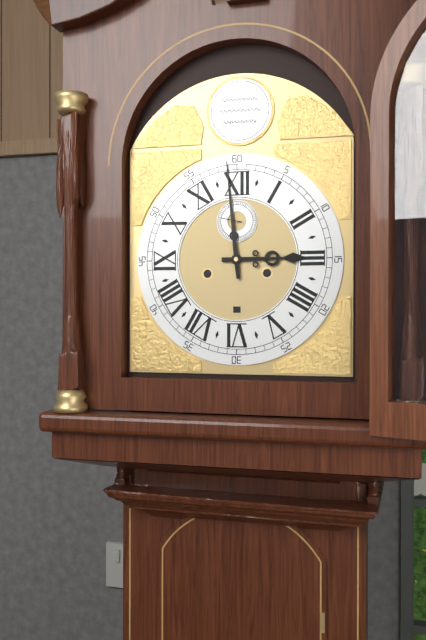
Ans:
2h59
